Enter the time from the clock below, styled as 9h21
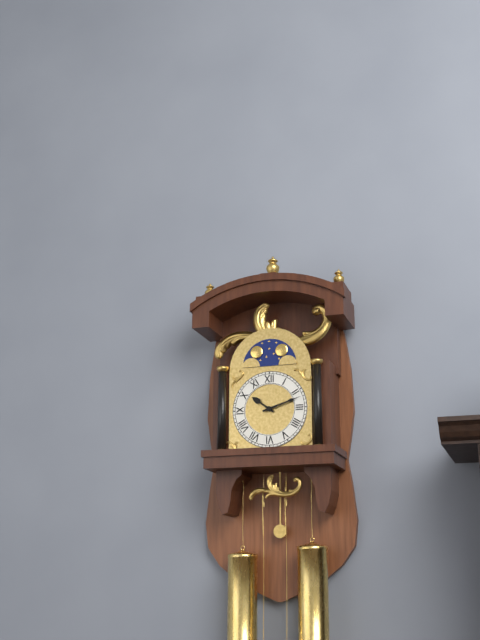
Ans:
10h12
